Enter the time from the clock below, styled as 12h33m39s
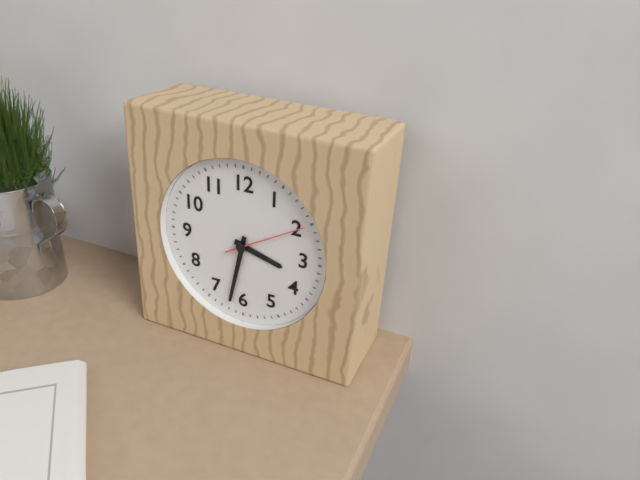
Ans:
3h32m10s
